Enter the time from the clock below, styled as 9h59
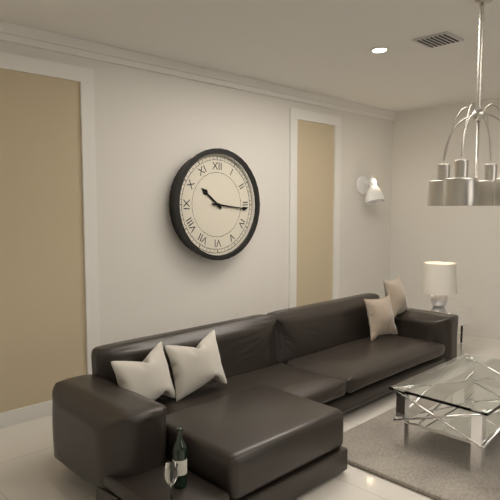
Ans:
10h16
